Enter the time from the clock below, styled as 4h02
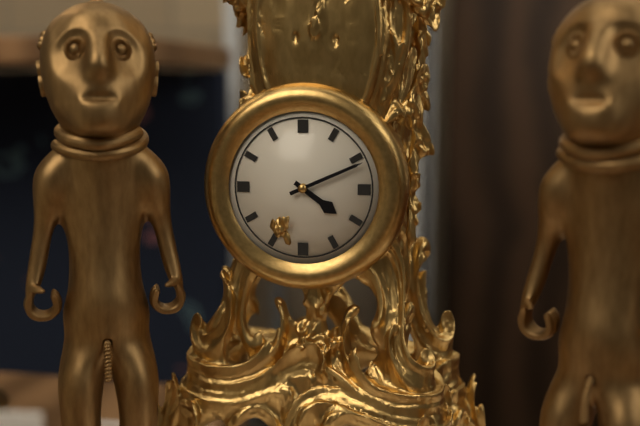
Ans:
4h11
